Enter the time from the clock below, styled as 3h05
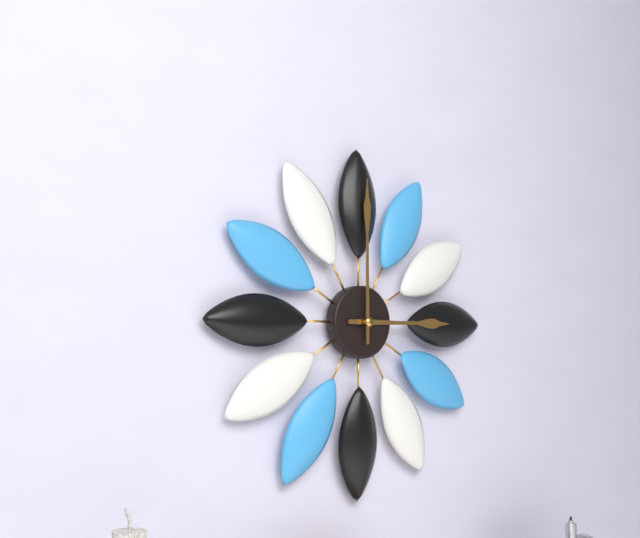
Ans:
3h00
